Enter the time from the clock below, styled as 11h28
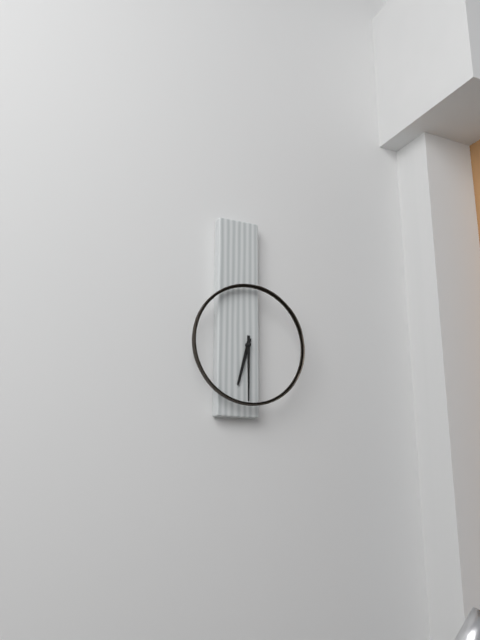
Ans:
6h30
